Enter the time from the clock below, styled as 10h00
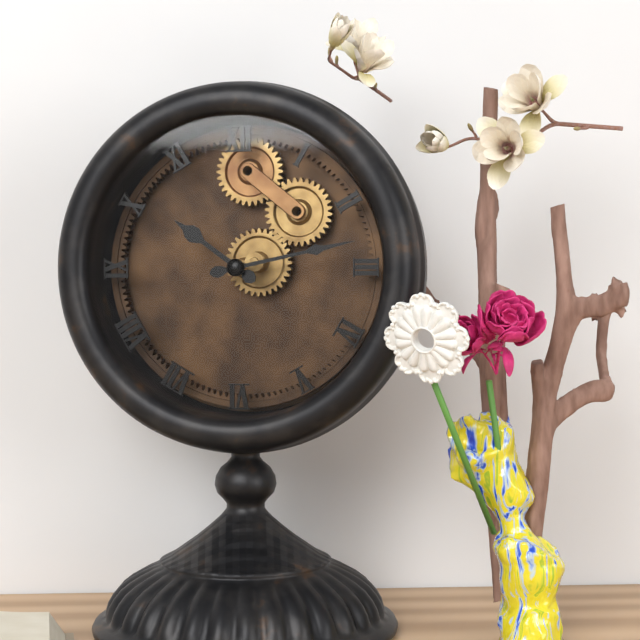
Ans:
10h13
